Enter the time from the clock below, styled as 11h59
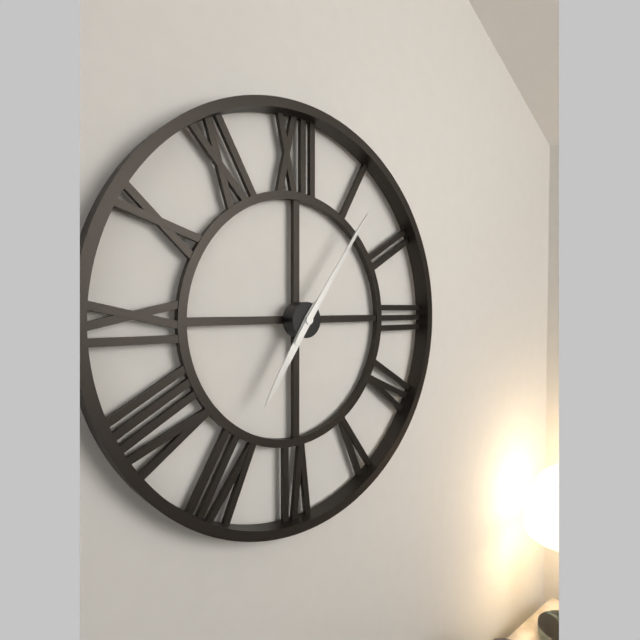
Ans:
7h06
